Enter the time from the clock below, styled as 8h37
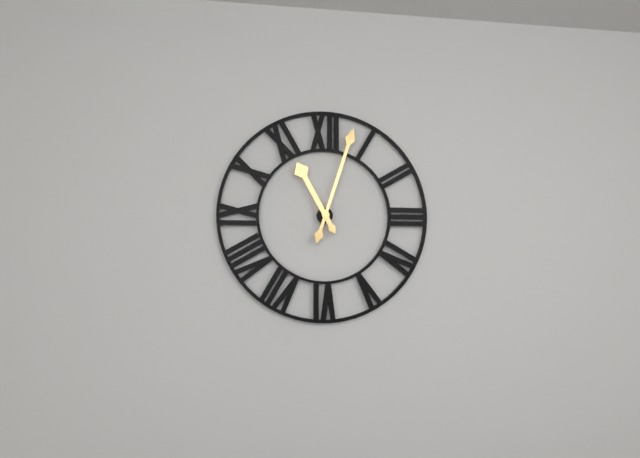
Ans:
11h03
